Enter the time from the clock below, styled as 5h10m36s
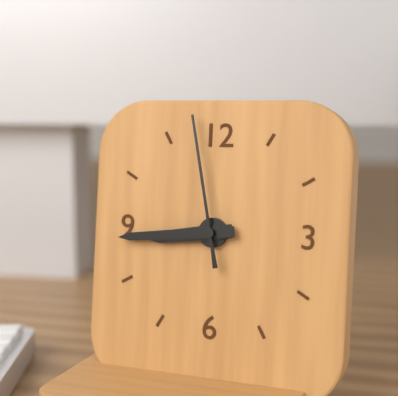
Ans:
8h44m58s
